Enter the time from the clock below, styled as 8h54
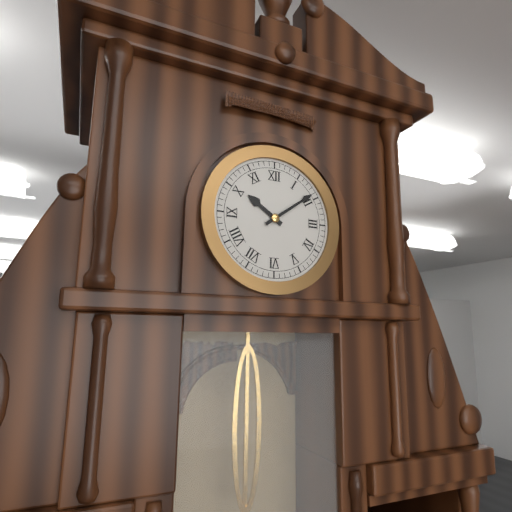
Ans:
10h09
